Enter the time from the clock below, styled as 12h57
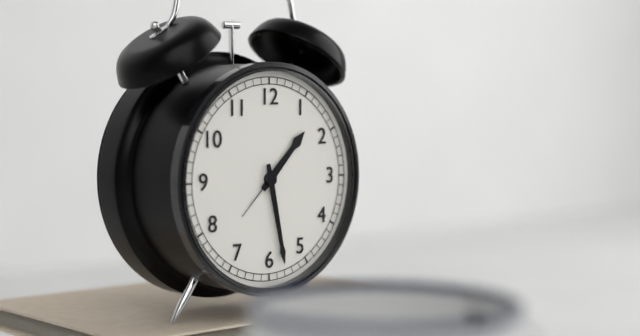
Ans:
1h28
